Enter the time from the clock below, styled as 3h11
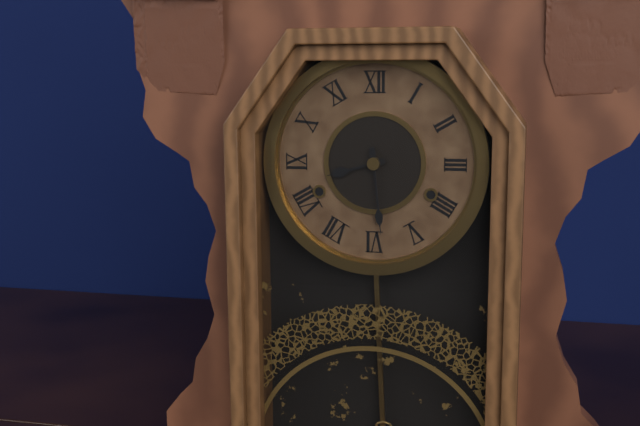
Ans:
8h29
